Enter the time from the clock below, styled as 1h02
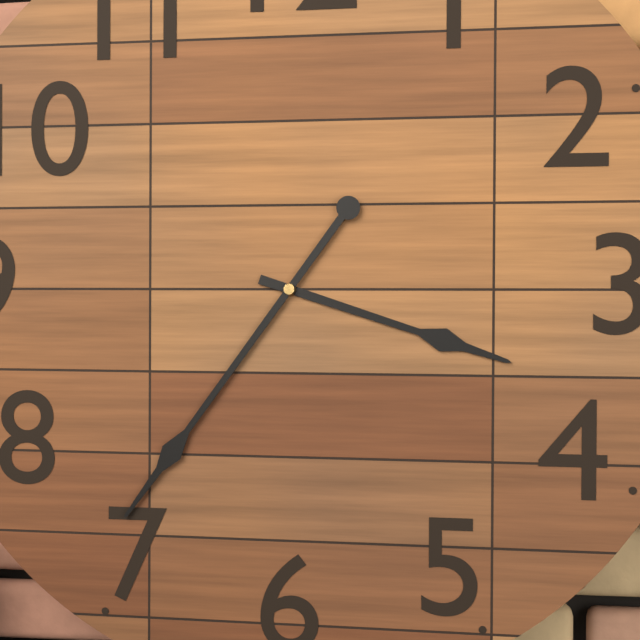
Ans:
3h36
